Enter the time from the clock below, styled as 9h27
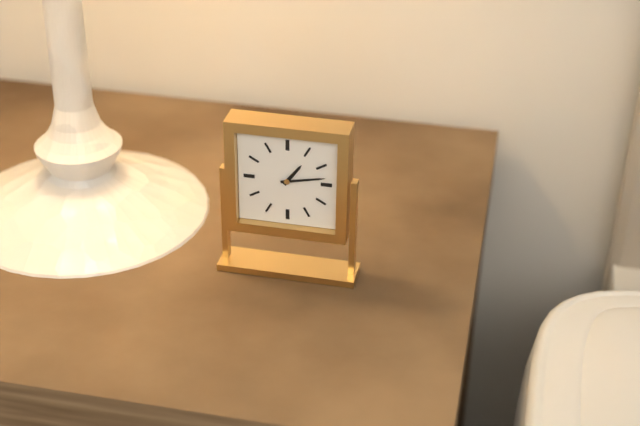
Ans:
1h13
